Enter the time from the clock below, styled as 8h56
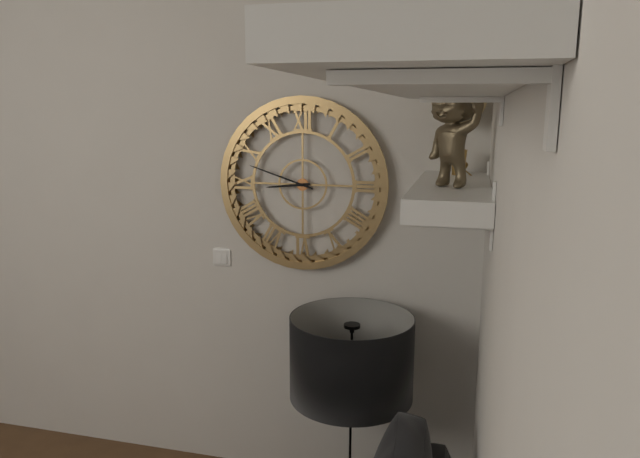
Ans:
8h48
